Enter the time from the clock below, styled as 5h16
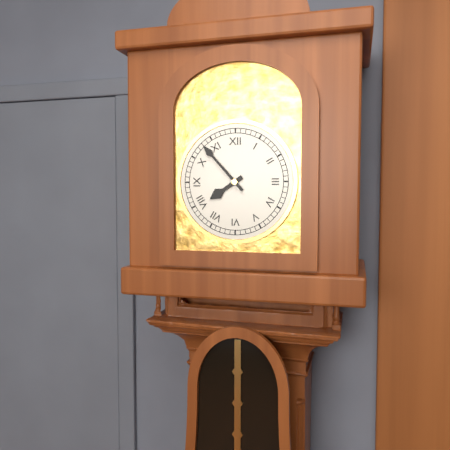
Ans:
7h53
